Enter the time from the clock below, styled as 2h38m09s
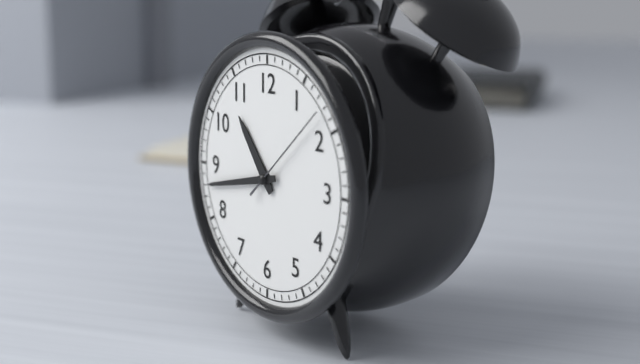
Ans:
10h43m08s
